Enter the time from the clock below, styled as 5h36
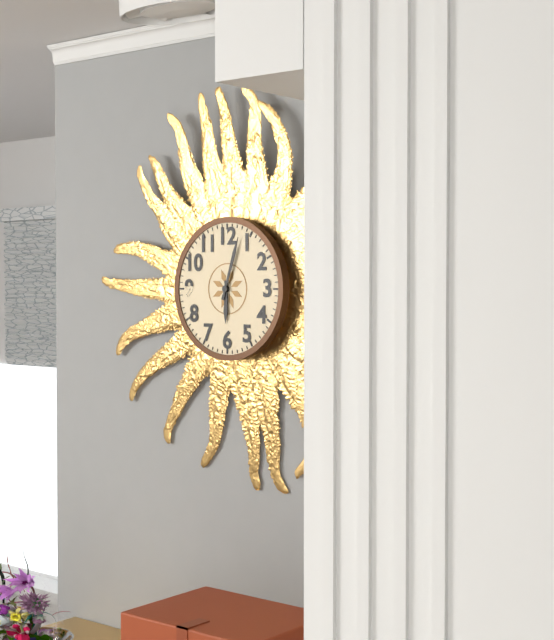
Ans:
6h03
